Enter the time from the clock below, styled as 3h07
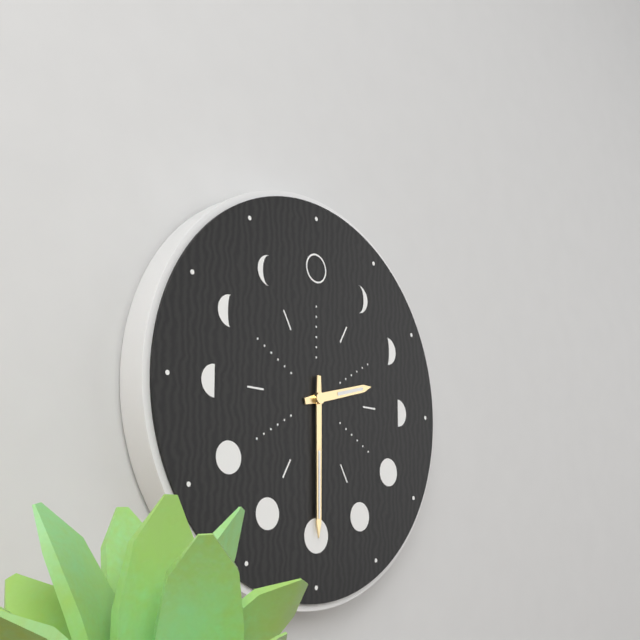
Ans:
2h30
